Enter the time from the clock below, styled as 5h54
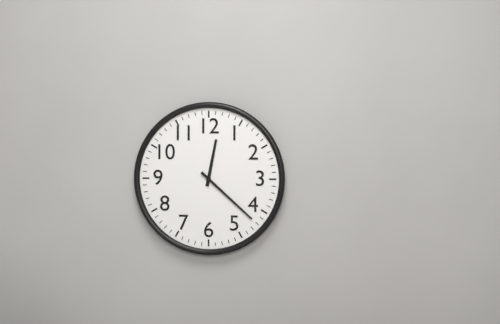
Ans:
12h22
